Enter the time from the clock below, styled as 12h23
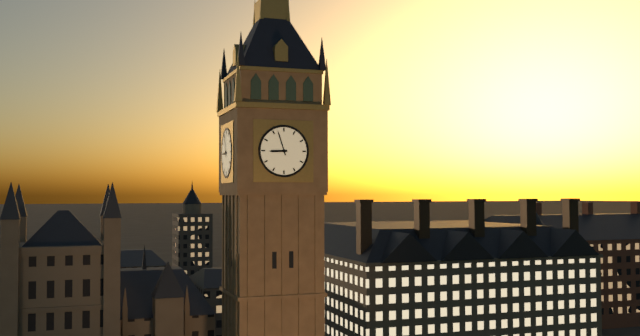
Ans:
8h57
